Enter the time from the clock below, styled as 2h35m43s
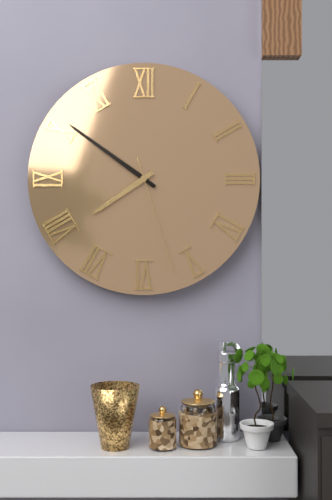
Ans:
7h51m27s
